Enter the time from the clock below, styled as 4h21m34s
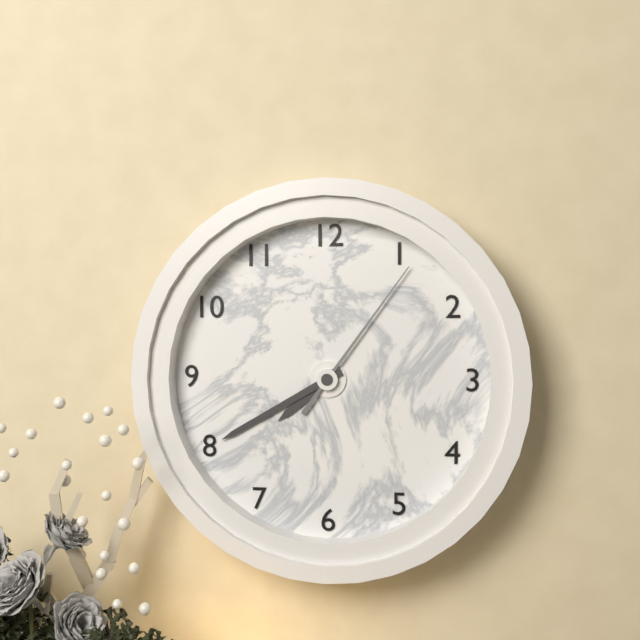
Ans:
7h40m06s
